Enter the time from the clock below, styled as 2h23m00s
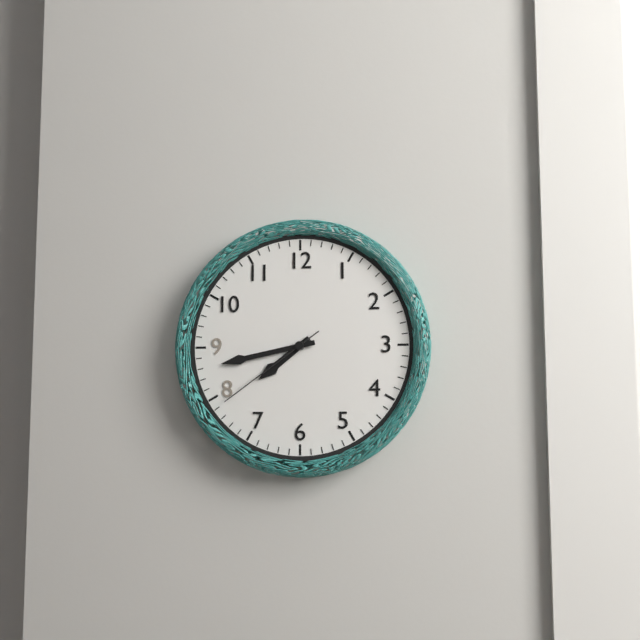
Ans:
7h43m39s
